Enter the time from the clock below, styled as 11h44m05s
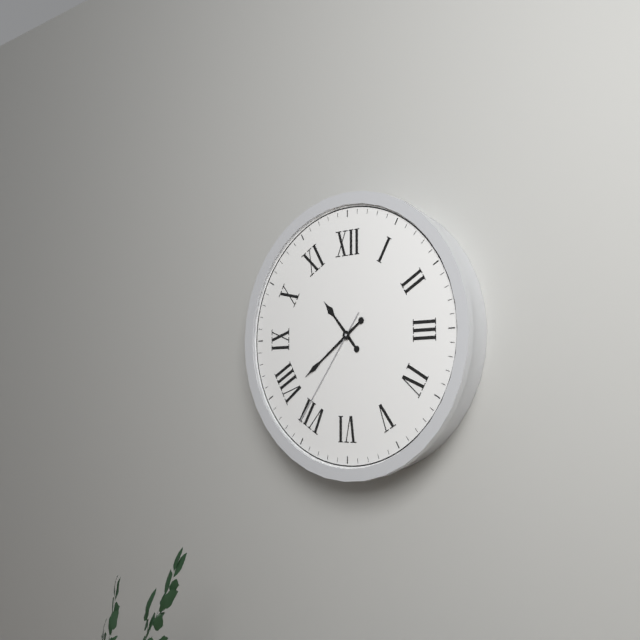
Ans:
10h39m36s
